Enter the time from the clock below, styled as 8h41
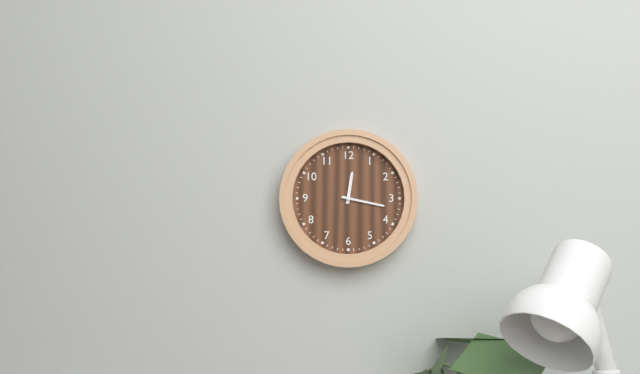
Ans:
12h17
